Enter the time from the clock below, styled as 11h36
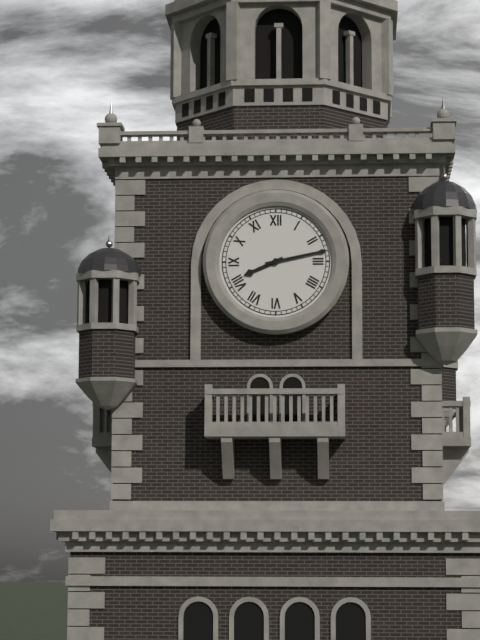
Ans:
8h13
